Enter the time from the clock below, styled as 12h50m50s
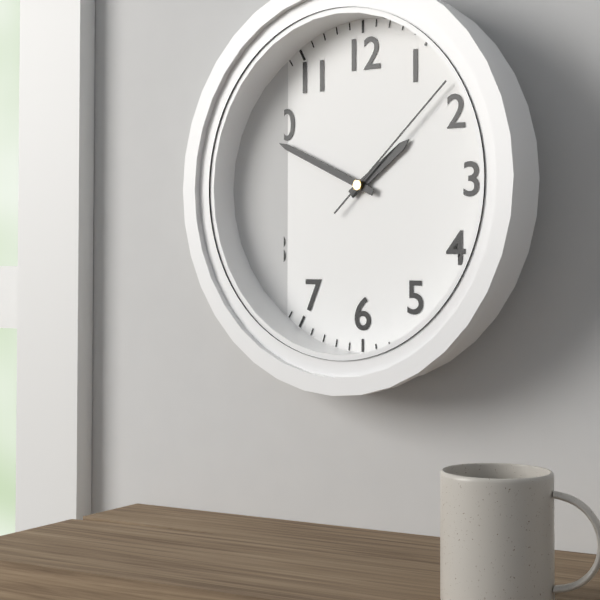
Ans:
1h49m08s
